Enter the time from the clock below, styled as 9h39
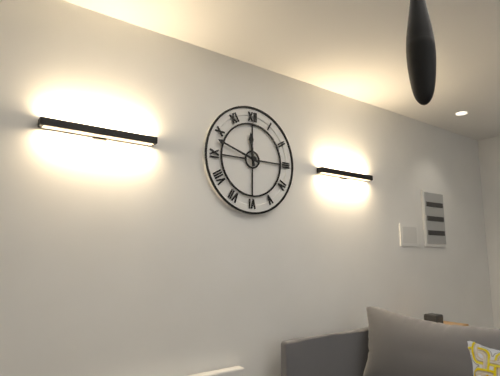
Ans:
11h48
